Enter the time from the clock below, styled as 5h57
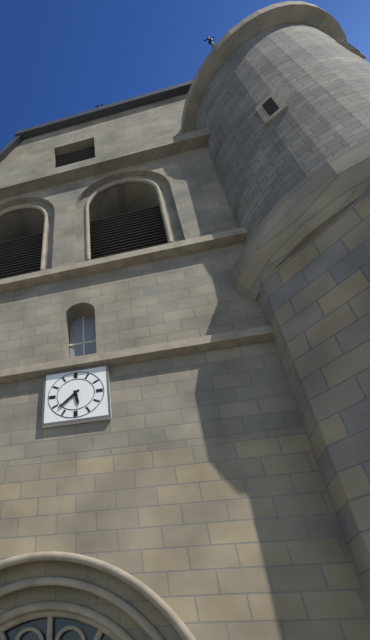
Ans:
5h38
